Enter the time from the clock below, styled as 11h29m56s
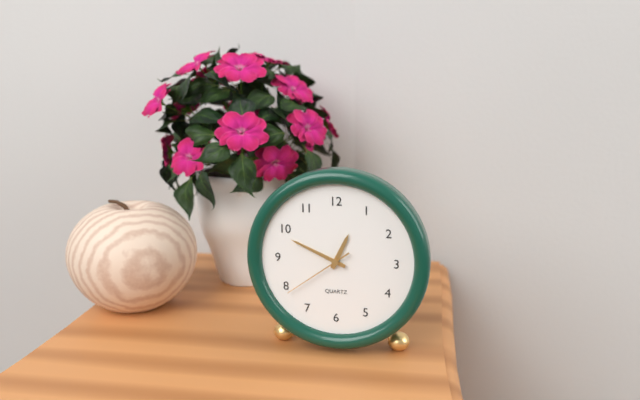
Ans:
12h49m39s
